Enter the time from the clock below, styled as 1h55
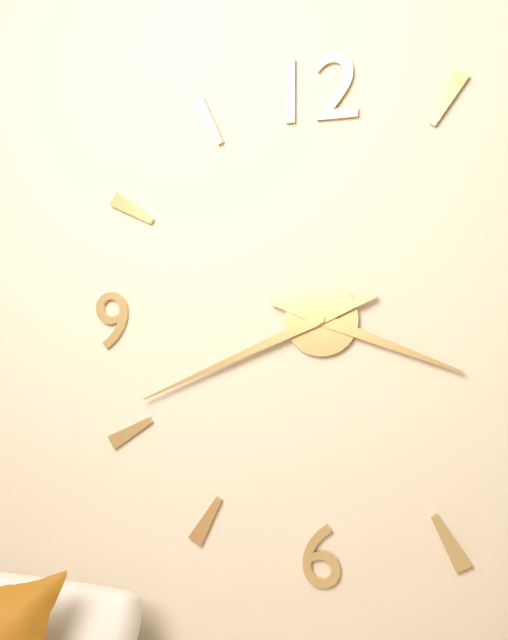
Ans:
3h41
